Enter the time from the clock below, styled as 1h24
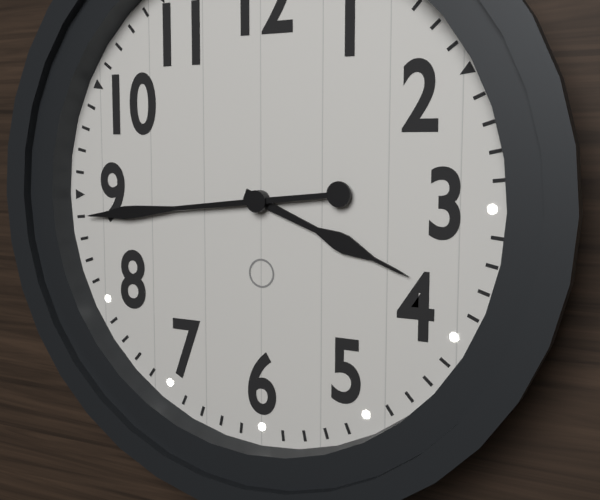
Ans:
3h44
